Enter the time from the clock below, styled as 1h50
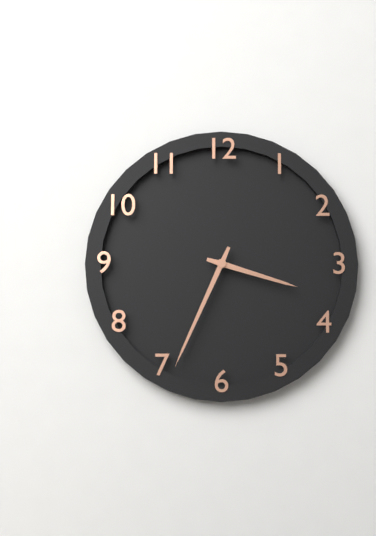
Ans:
3h34
